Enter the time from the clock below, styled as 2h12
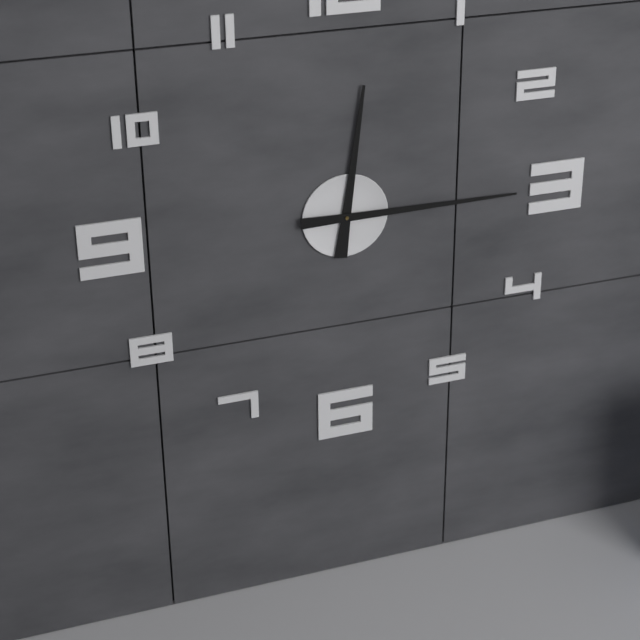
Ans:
12h15
